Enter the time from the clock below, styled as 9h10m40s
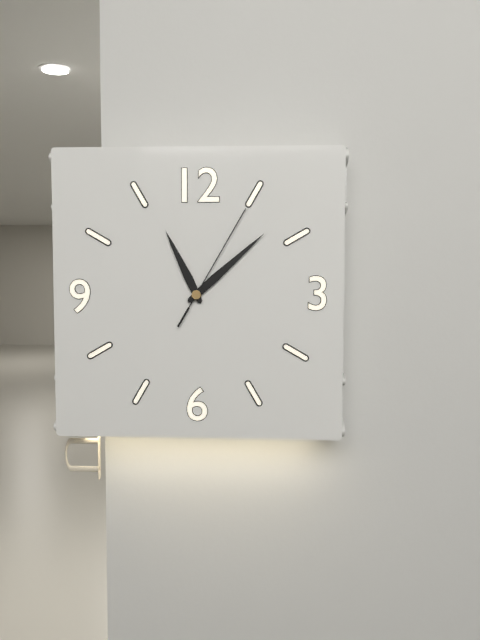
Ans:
11h08m05s
